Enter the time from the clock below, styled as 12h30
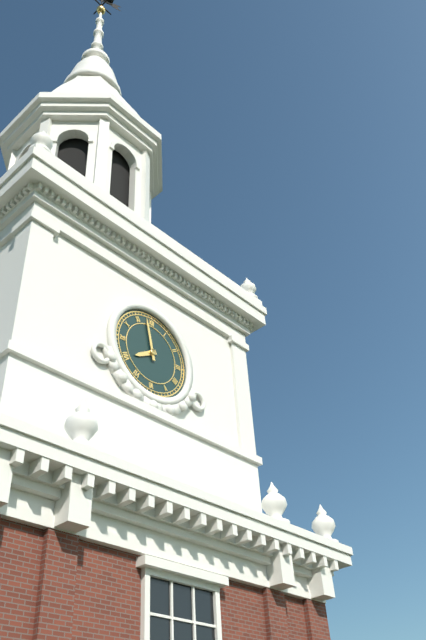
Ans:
7h58
